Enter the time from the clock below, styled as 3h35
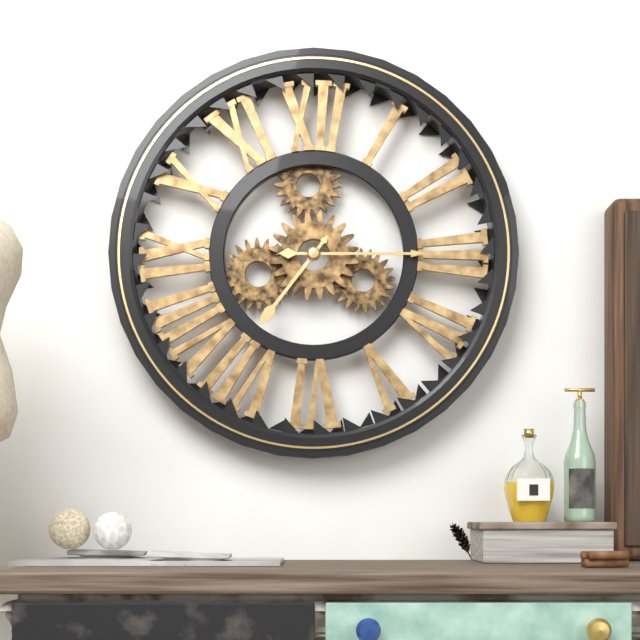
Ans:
7h15
